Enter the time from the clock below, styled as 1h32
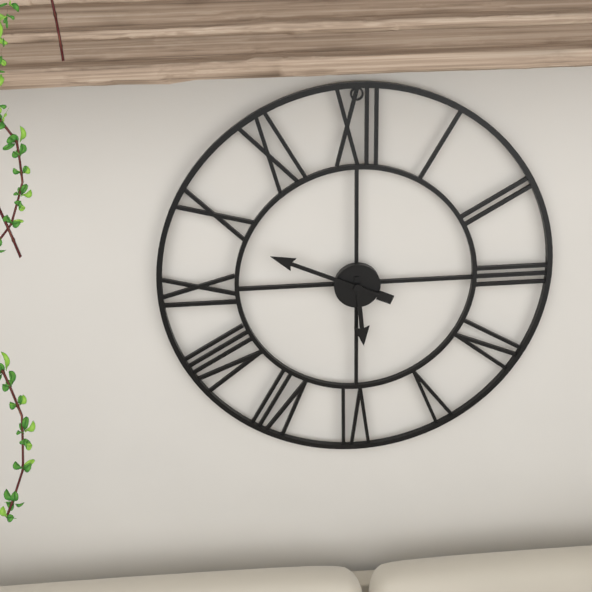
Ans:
5h49
